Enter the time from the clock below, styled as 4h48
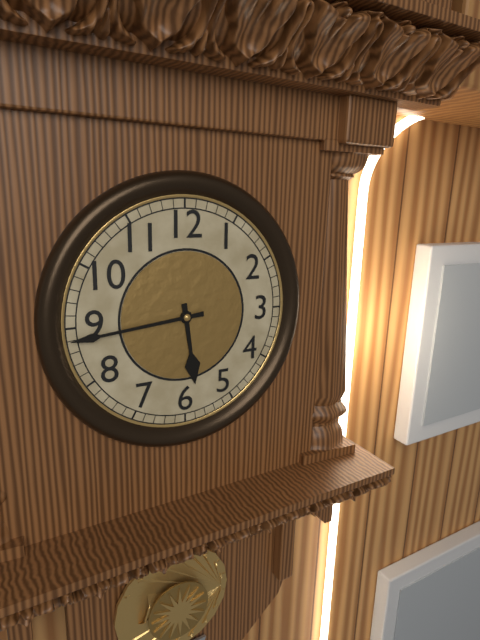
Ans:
5h44
